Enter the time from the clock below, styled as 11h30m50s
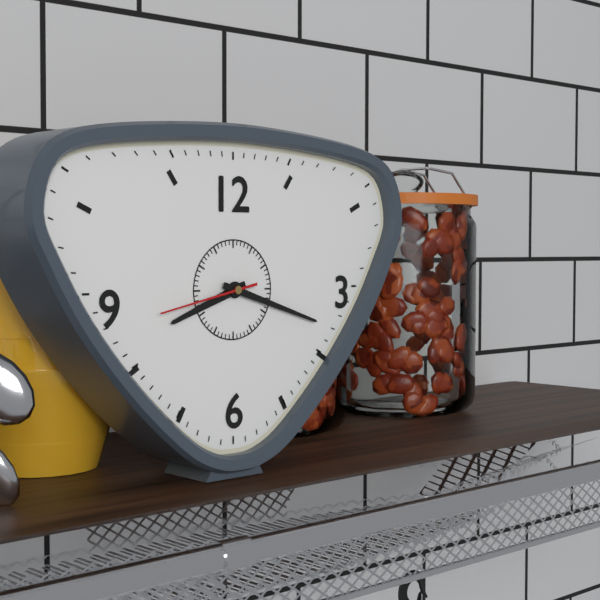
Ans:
8h18m43s
